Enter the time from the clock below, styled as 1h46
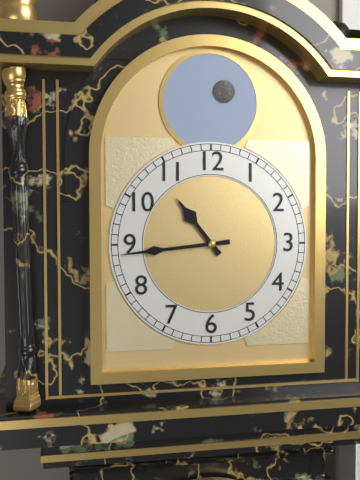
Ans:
10h44
